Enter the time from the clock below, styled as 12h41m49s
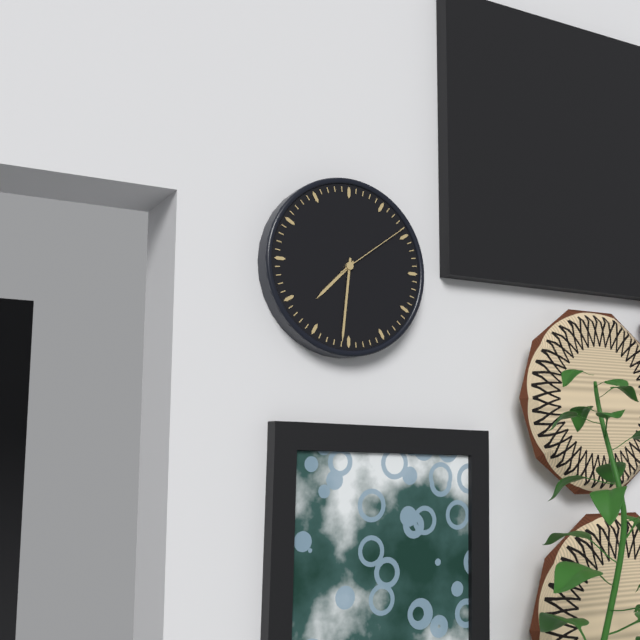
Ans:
7h31m09s
